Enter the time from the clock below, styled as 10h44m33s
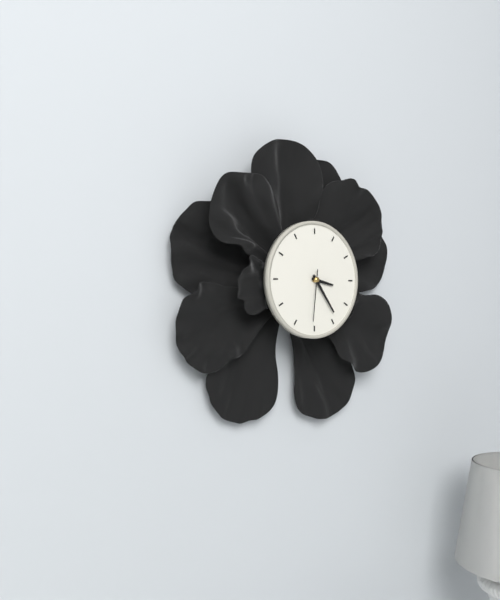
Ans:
3h24m31s
